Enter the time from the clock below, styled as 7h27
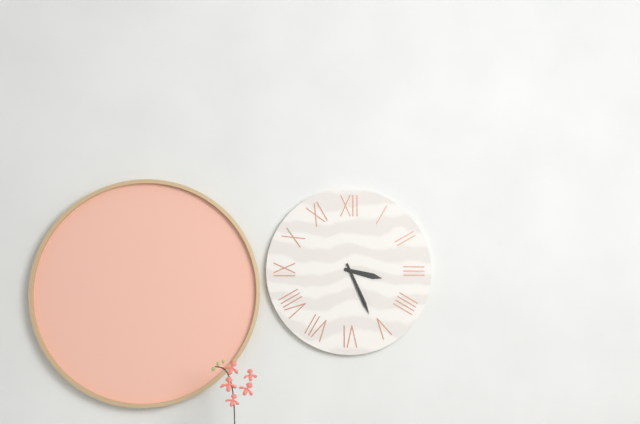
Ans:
3h26
